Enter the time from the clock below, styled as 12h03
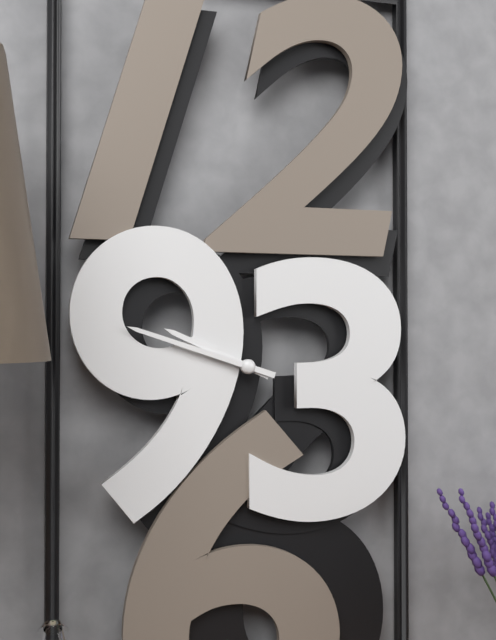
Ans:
9h48
